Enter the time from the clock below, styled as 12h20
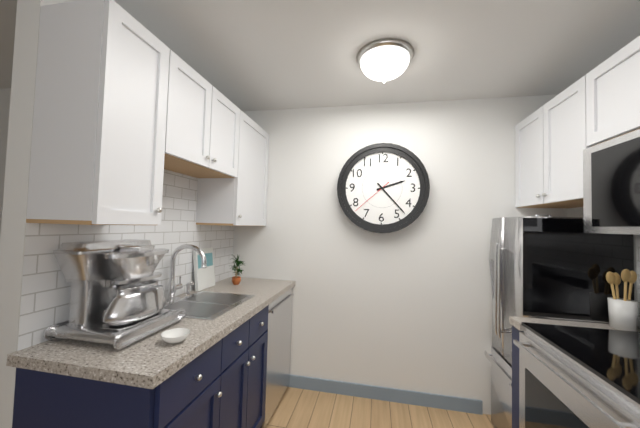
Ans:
2h23
